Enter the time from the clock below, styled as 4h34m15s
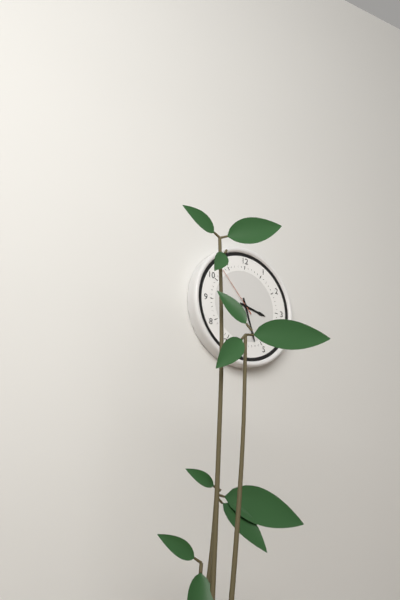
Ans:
3h27m53s
